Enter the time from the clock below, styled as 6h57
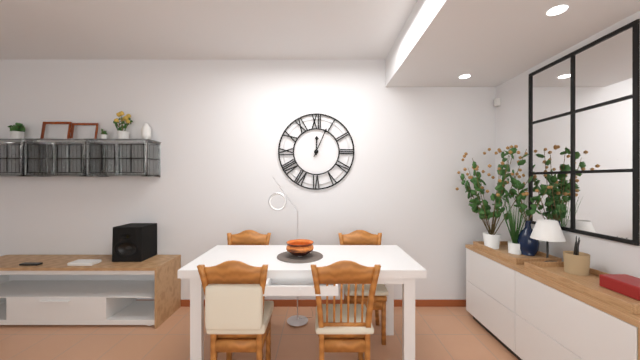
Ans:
12h04
